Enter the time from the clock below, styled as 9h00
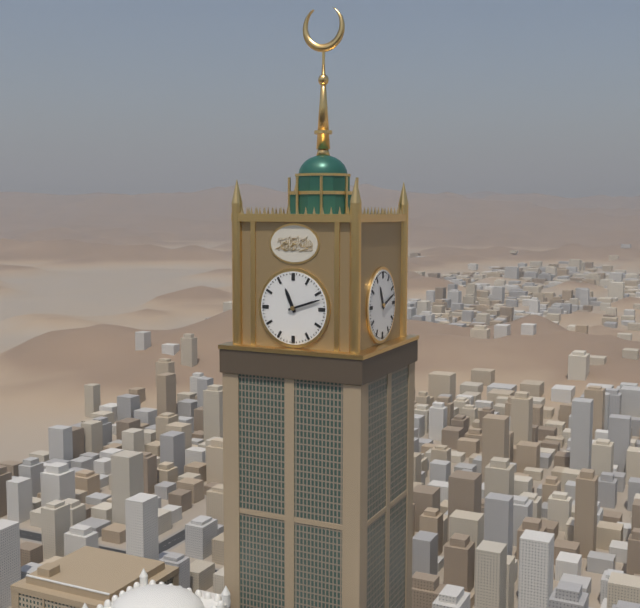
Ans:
11h12
